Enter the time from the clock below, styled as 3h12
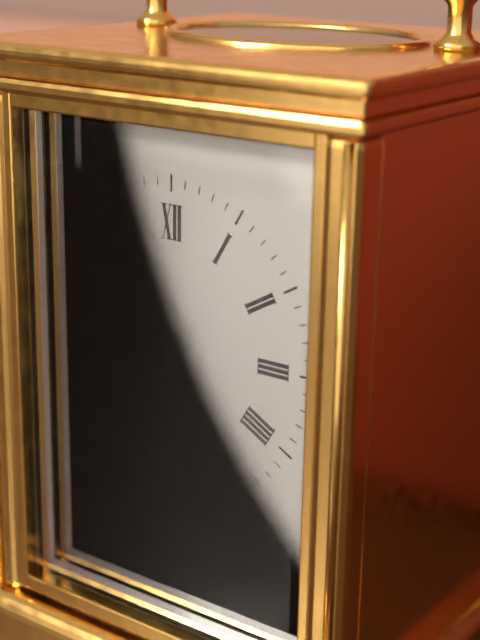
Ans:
10h54
